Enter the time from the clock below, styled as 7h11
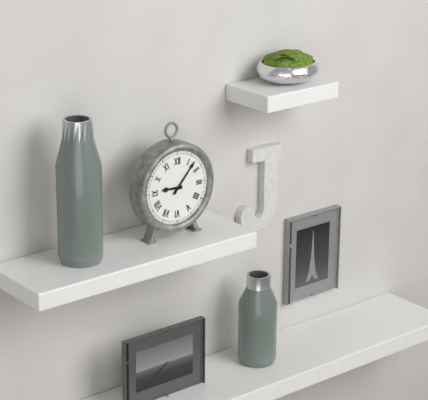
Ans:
9h07
